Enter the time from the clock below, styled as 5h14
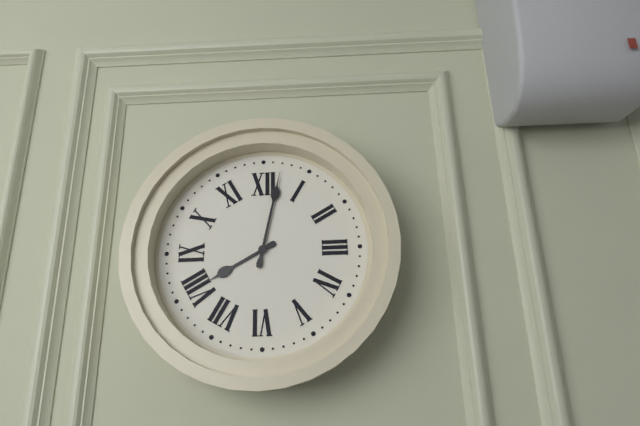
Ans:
8h02
